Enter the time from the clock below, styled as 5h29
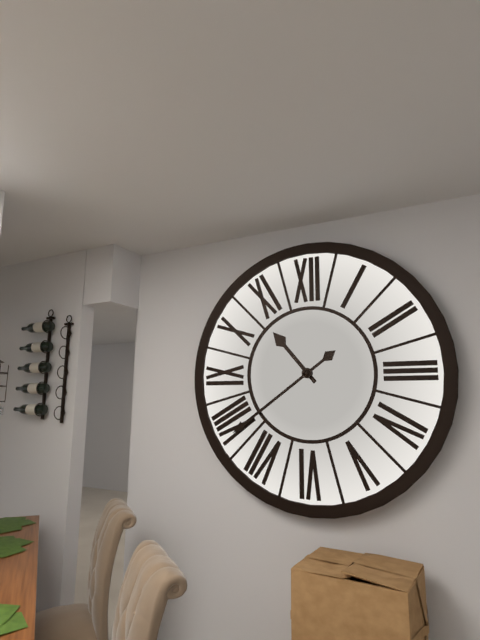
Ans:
10h39
